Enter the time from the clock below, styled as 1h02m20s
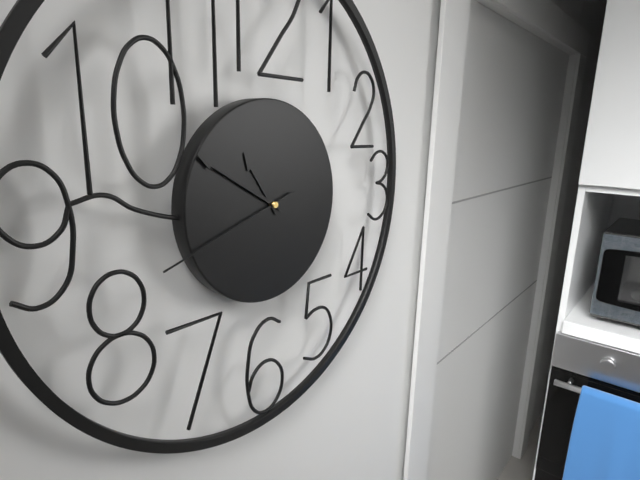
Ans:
10h50m42s
